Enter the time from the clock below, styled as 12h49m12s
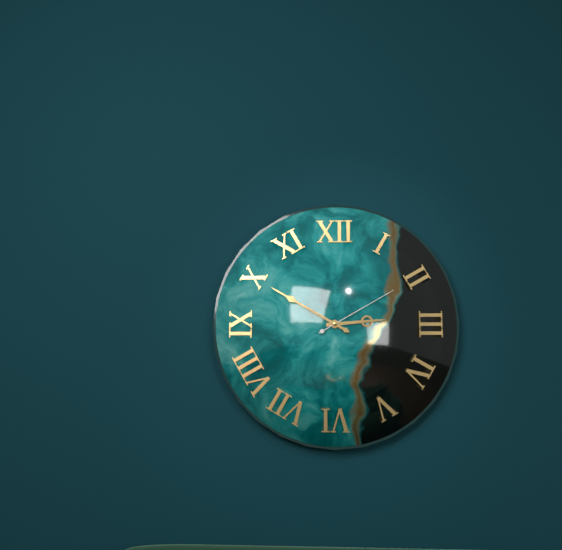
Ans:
2h50m10s
